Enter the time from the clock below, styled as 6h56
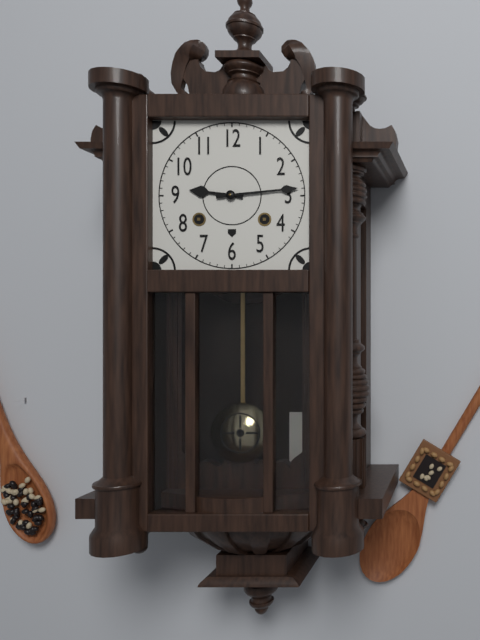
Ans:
9h14
